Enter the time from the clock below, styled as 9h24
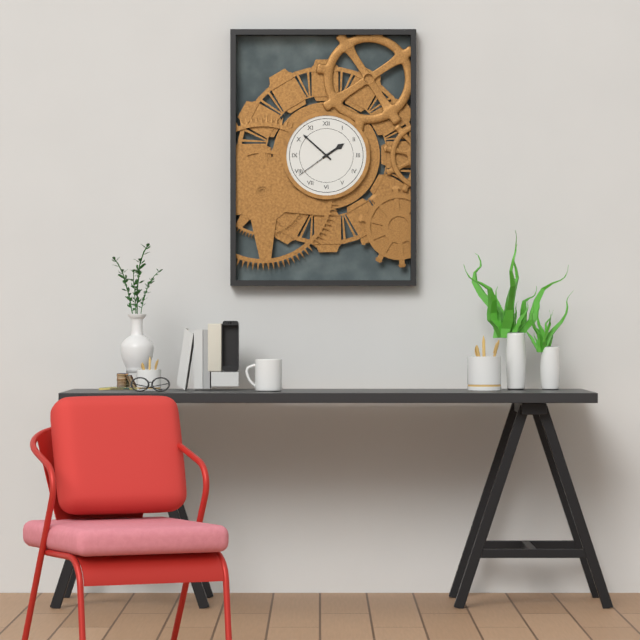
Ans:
1h52
